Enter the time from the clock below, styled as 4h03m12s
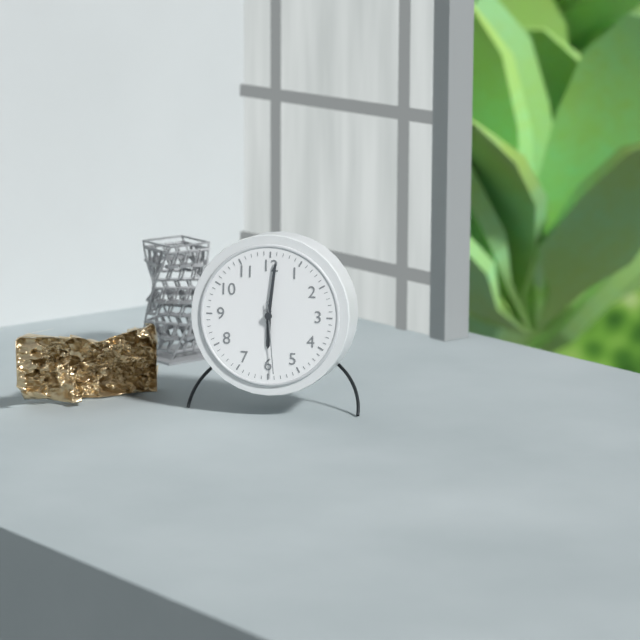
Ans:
6h01m29s
